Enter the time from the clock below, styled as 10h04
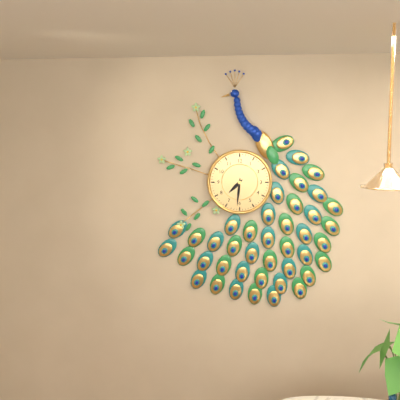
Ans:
7h31
